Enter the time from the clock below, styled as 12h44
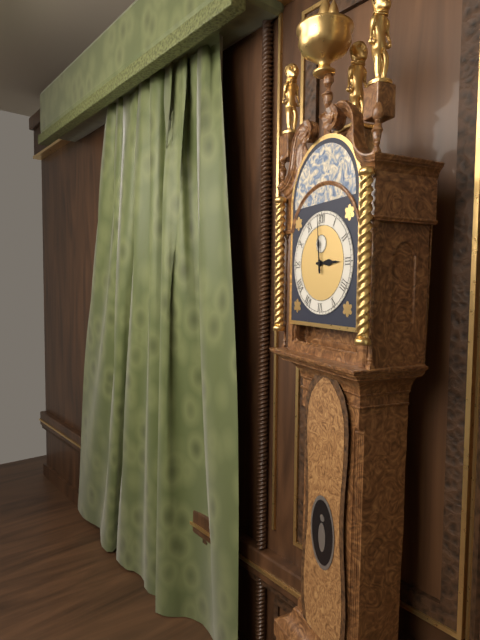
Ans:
2h59
